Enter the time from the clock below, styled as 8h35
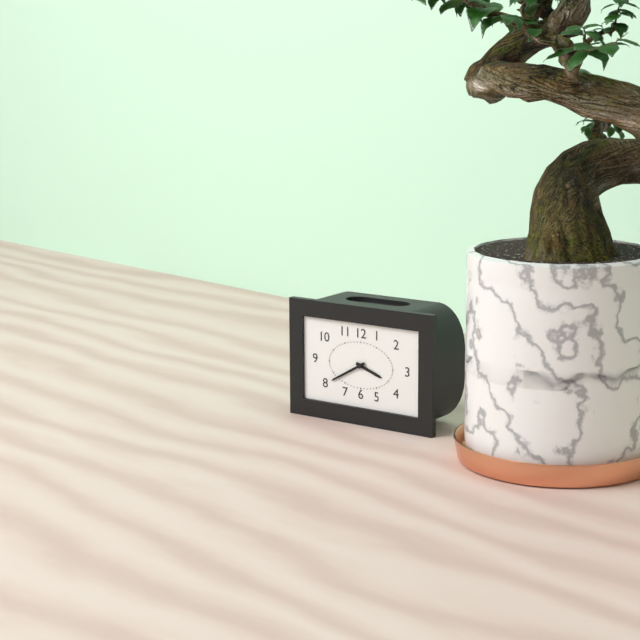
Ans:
3h40
